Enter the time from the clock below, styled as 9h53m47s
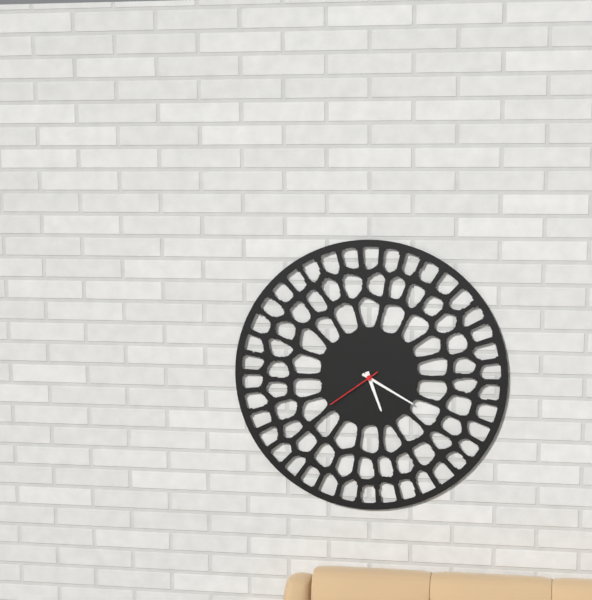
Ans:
5h20m39s
